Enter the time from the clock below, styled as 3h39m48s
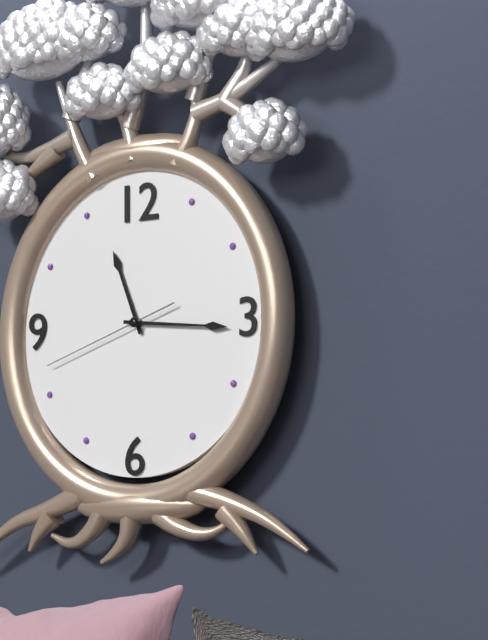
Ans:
11h16m42s
